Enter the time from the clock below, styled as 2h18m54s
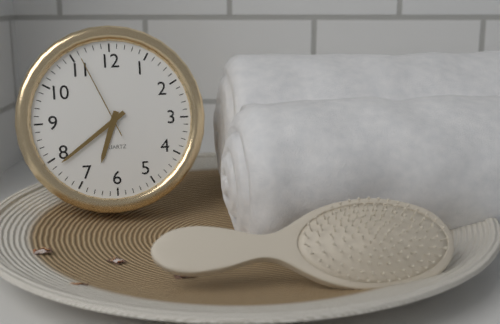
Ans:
6h39m56s
